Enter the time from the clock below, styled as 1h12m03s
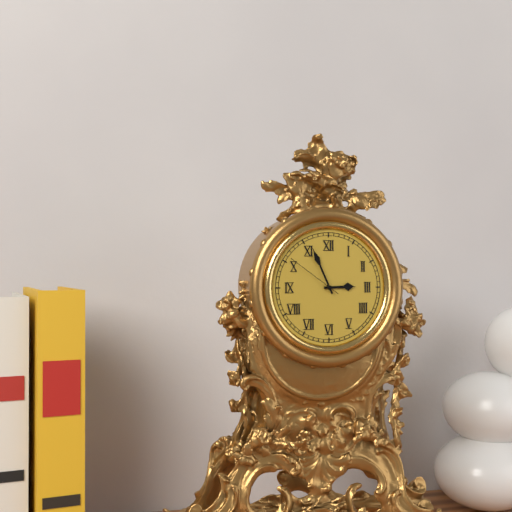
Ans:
2h56m51s
